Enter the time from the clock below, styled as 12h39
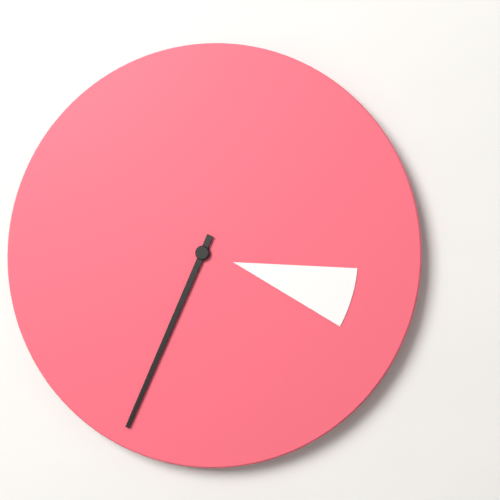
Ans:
3h34
